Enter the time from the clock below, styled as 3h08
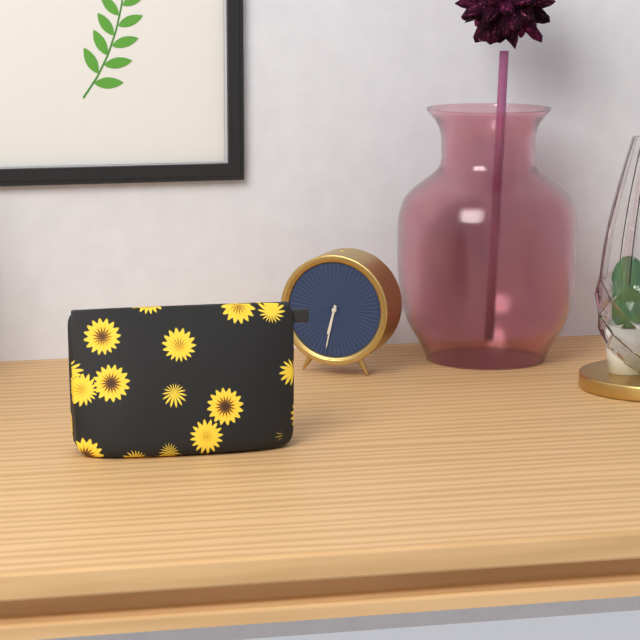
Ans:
6h32
